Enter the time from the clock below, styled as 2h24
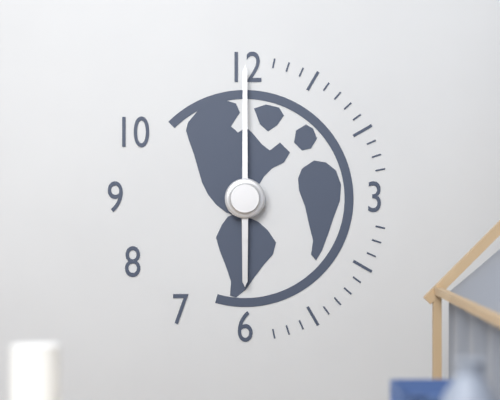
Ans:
6h00
